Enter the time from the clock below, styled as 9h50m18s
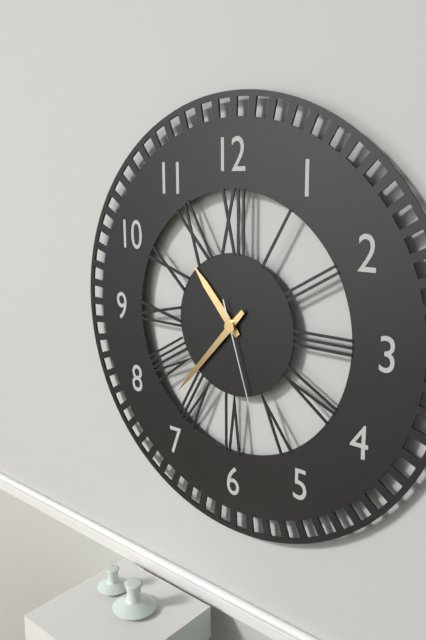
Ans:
10h37m27s
